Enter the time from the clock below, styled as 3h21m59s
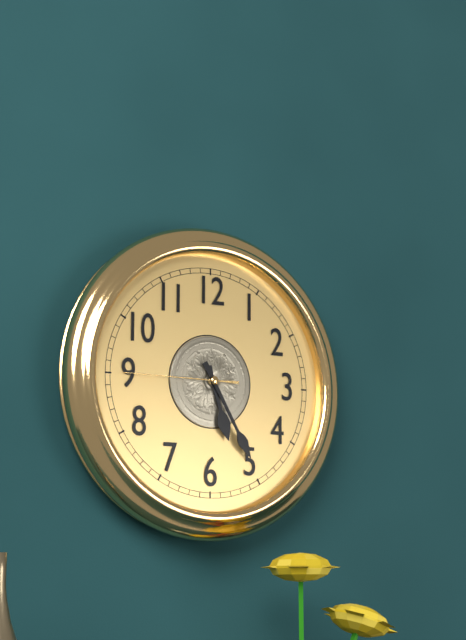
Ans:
5h25m45s
